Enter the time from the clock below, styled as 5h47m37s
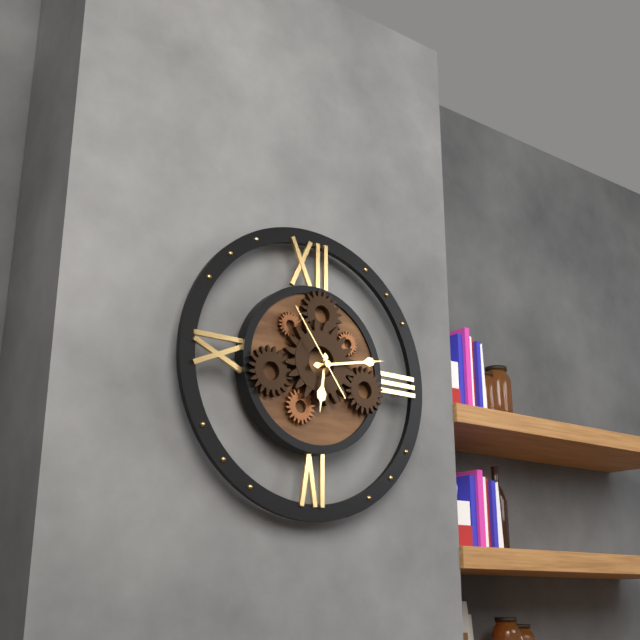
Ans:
6h13m54s
